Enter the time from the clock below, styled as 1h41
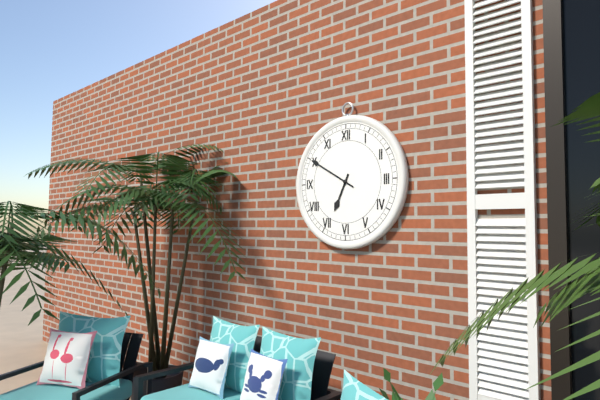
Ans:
6h50
